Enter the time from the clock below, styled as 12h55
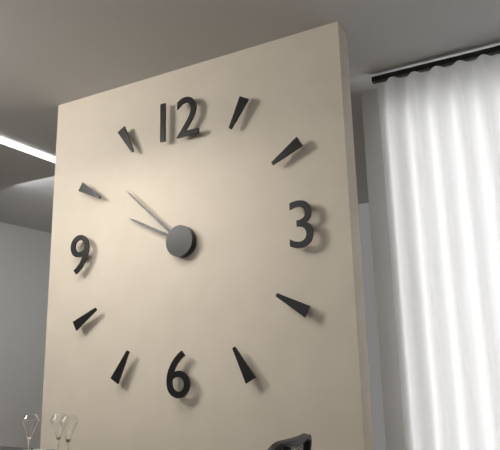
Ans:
9h52
